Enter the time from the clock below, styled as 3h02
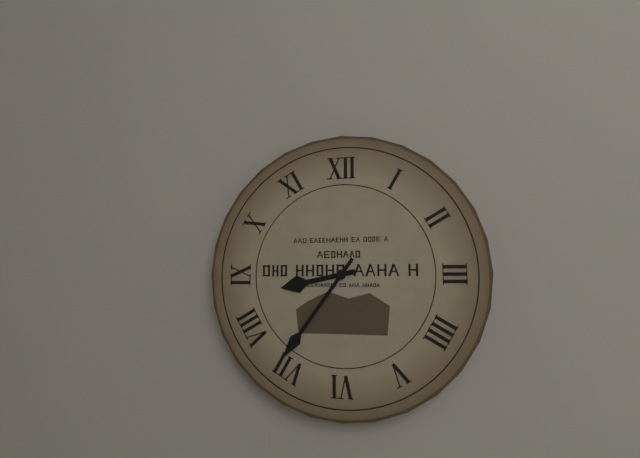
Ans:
8h36
